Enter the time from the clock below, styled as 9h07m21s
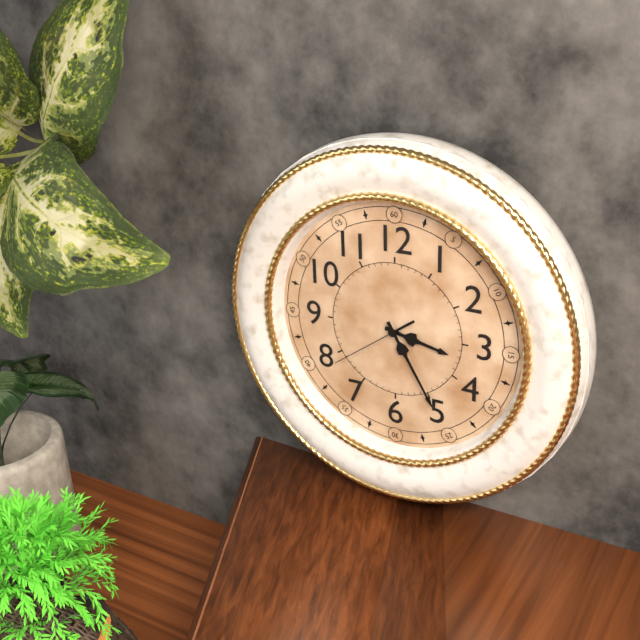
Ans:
3h25m39s
